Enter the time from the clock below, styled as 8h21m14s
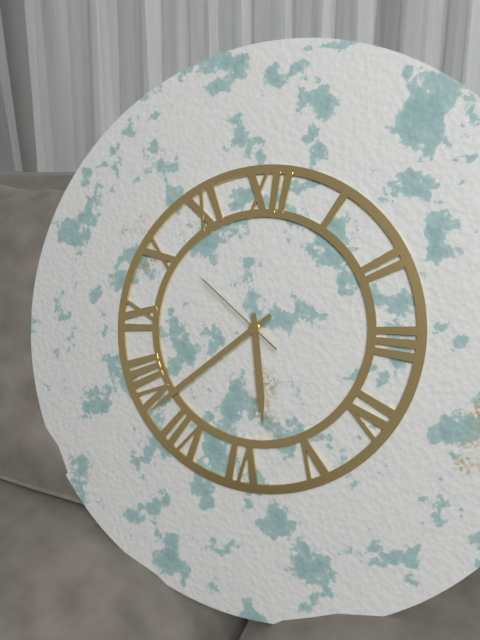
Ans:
5h38m51s
